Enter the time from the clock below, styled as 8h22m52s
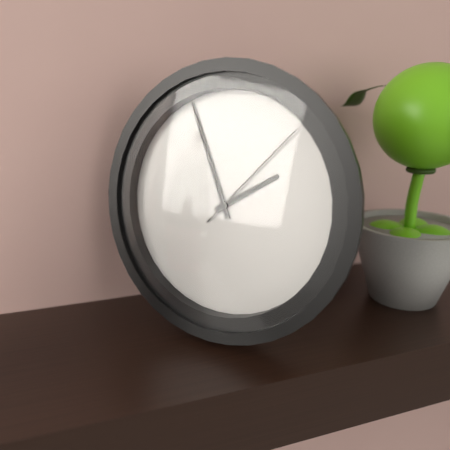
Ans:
1h56m07s
